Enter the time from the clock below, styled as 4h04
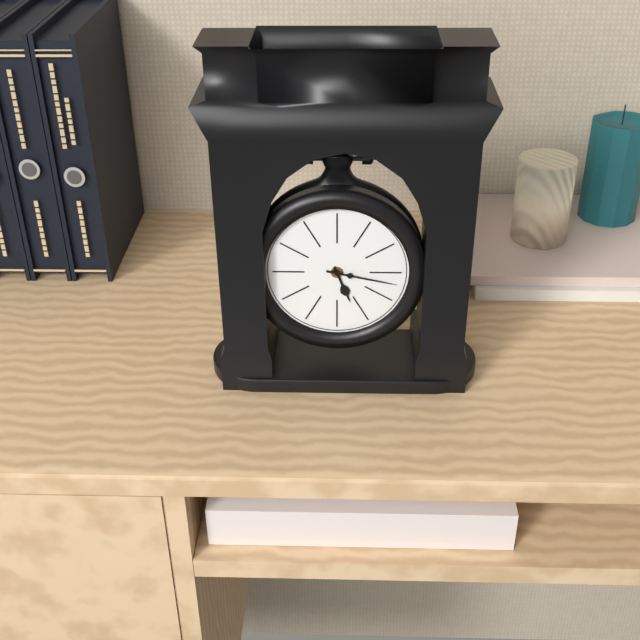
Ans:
5h17
